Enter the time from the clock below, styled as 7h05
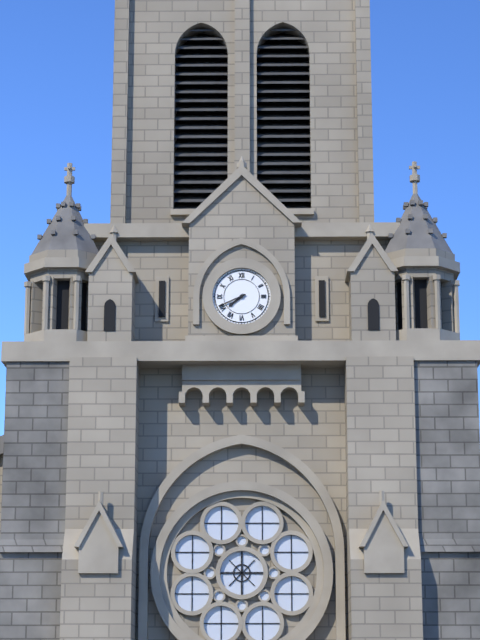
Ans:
7h41
